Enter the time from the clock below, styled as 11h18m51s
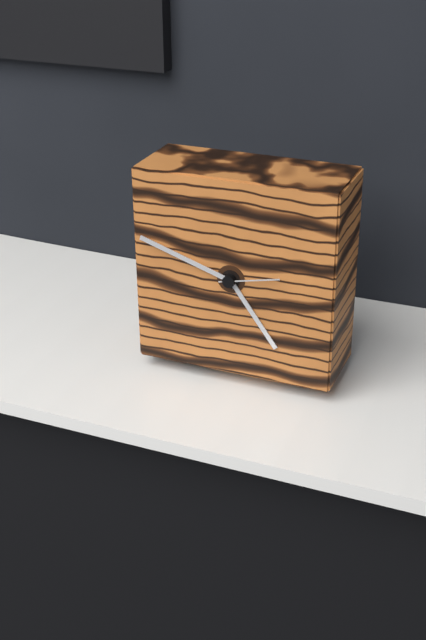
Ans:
4h48m13s
